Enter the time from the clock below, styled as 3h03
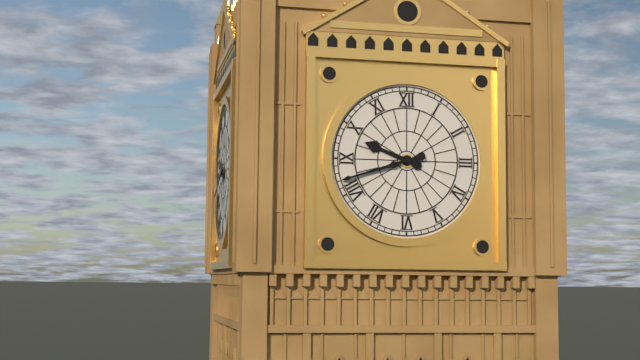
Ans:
9h42
